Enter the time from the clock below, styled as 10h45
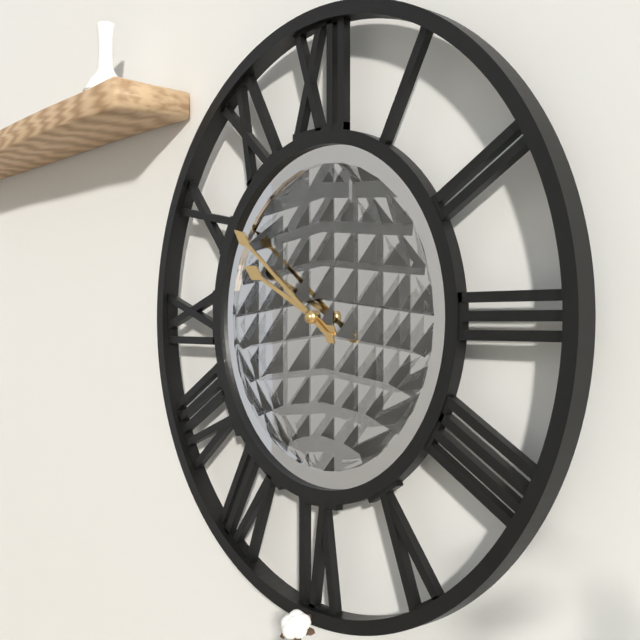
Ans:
9h51
